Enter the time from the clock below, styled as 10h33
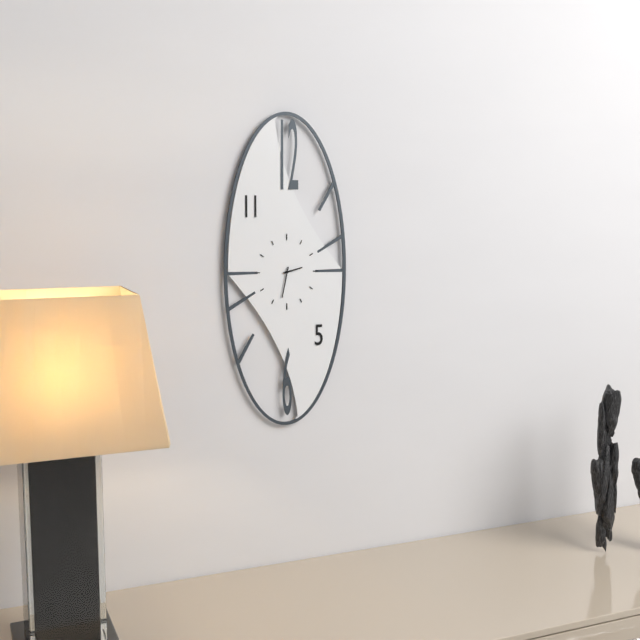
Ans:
2h32
